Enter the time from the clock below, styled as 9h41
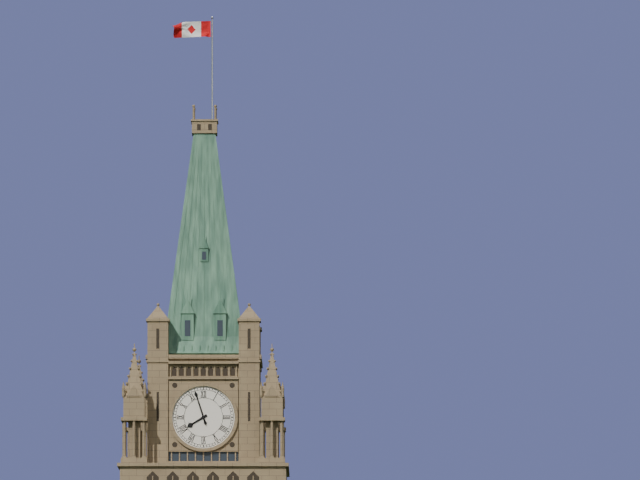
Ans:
7h57
